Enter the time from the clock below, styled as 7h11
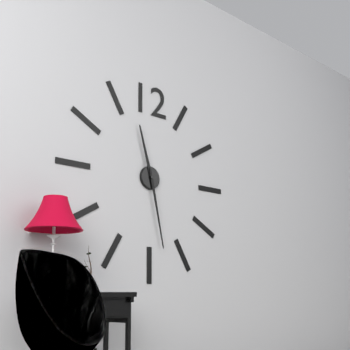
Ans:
11h28
